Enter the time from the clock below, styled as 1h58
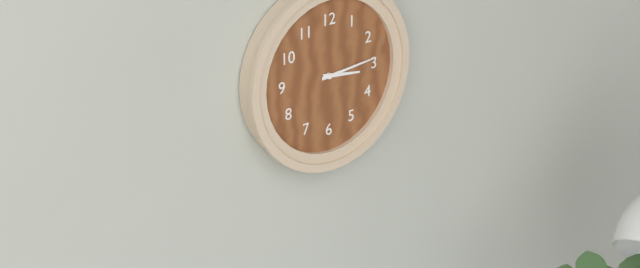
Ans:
3h14
